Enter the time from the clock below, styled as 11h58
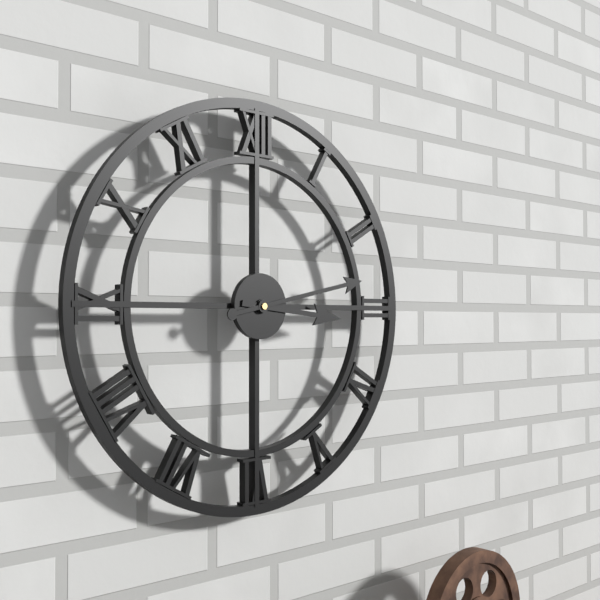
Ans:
3h13
